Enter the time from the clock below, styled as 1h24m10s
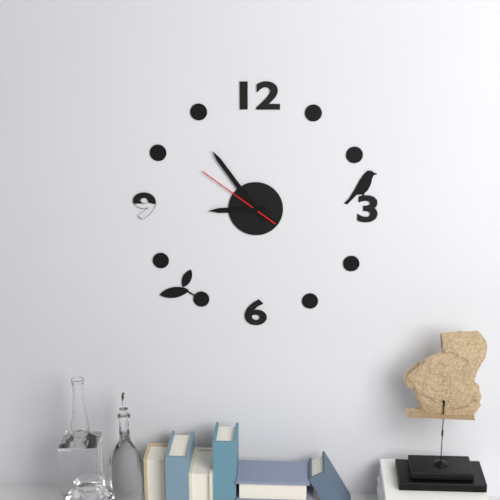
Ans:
8h54m51s
